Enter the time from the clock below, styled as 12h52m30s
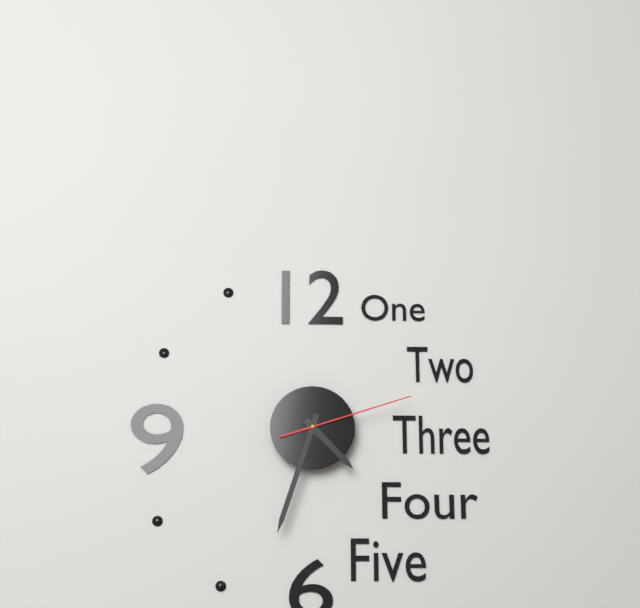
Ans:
4h33m12s
